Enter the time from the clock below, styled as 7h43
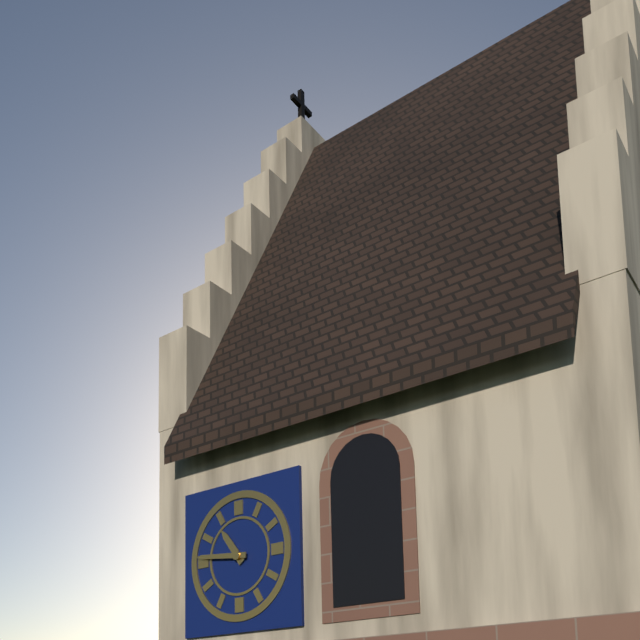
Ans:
10h46
